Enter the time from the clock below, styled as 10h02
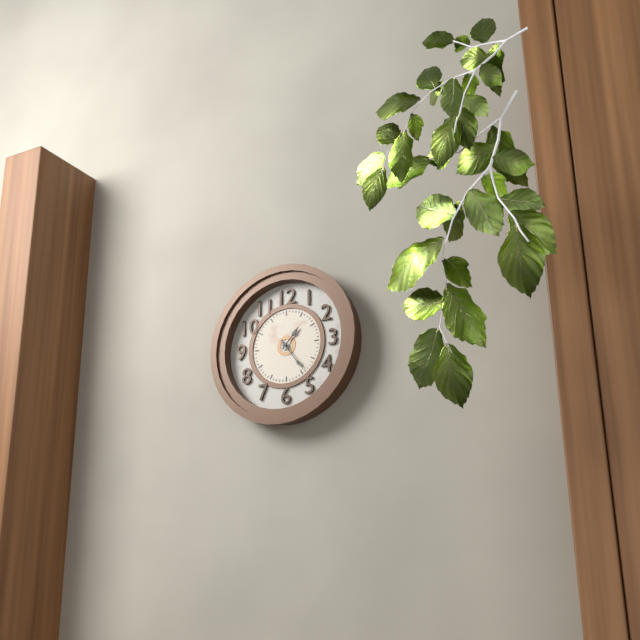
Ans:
1h24
